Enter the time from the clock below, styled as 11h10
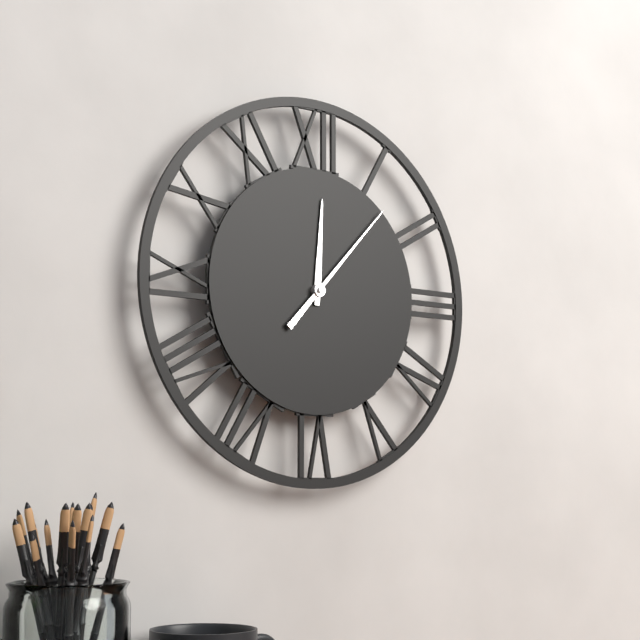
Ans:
12h07
